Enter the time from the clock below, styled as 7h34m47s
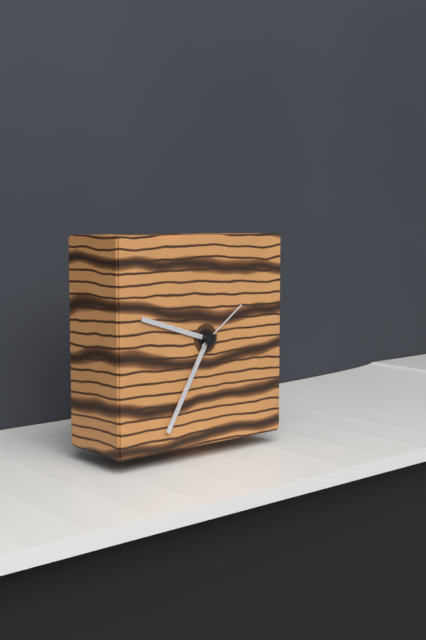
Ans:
9h35m09s
